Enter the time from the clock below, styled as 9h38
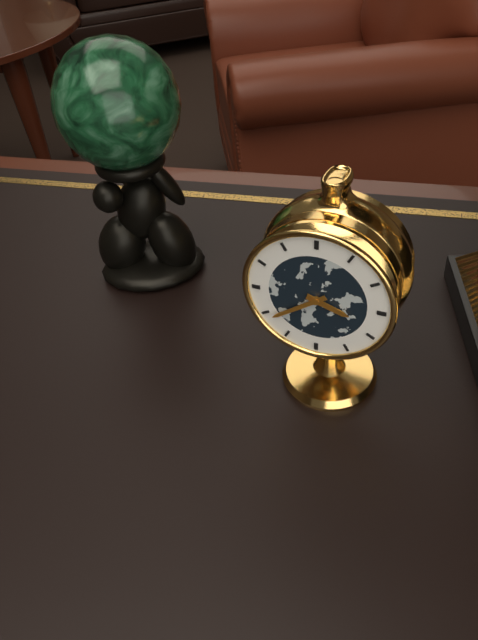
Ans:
3h39
